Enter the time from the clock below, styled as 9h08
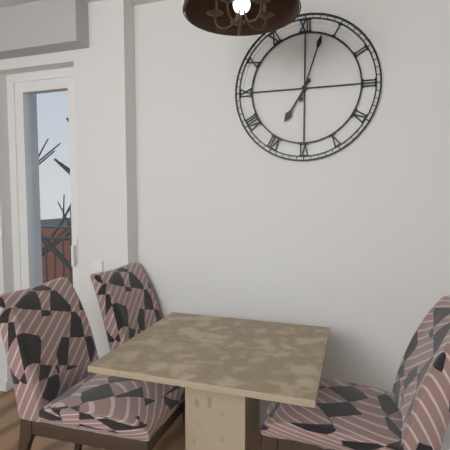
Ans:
7h03
